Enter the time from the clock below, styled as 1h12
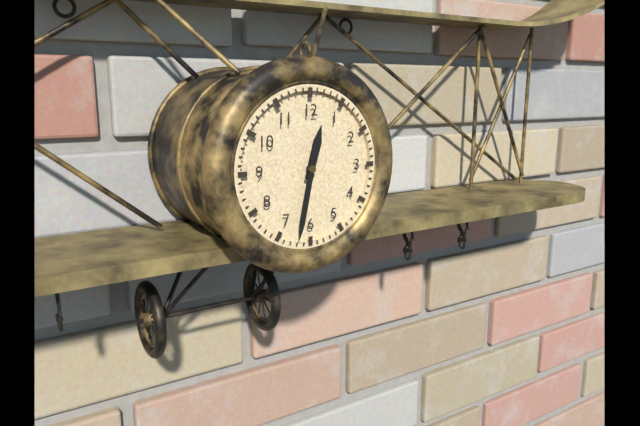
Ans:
12h32
